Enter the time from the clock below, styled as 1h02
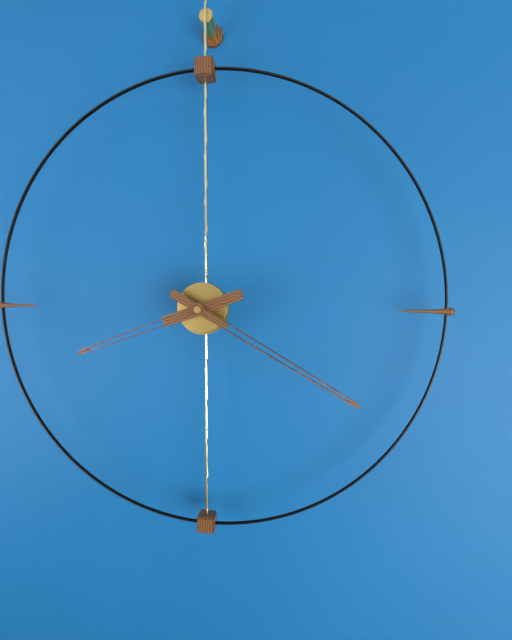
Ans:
8h20
